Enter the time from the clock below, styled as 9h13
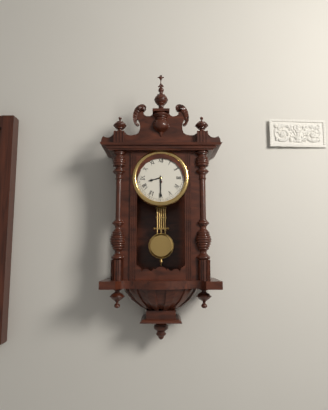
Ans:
8h30
